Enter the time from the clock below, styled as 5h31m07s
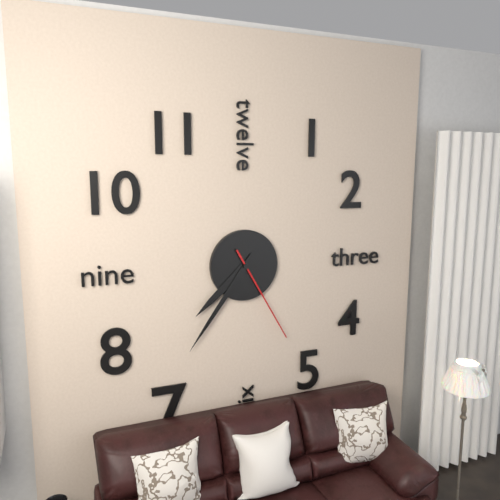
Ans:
7h36m25s
